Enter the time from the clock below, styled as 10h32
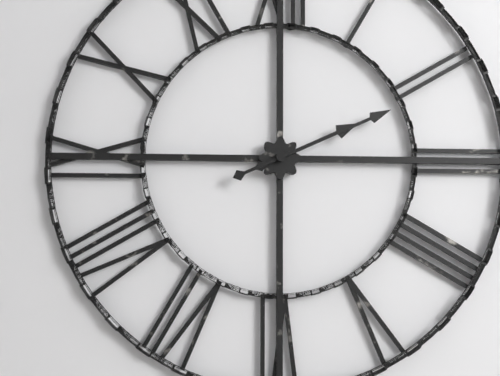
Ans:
2h11
